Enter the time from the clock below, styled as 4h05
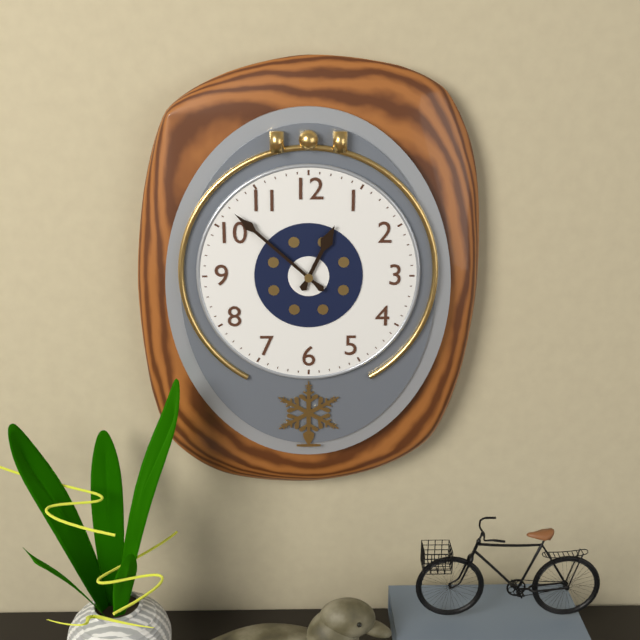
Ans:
12h52
